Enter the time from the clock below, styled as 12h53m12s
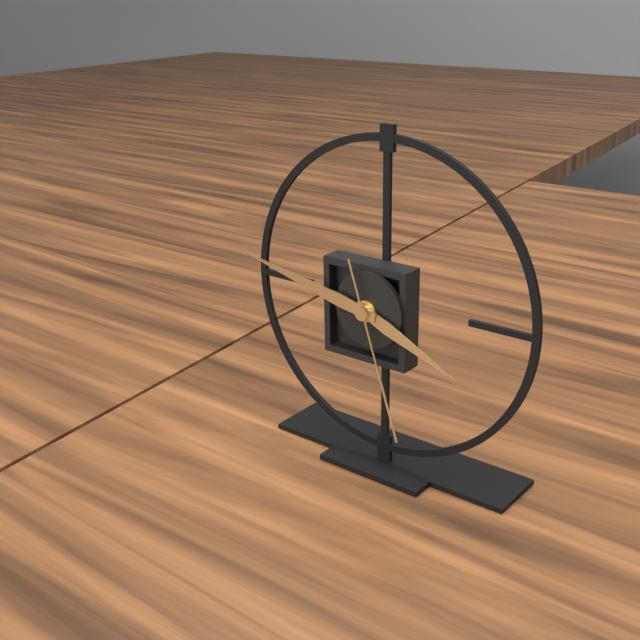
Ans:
3h47m27s
